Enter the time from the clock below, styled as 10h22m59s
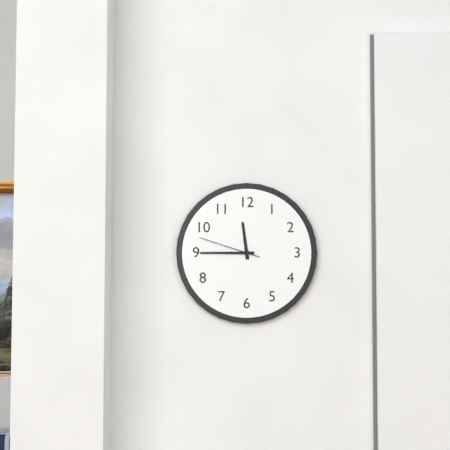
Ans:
11h45m48s
